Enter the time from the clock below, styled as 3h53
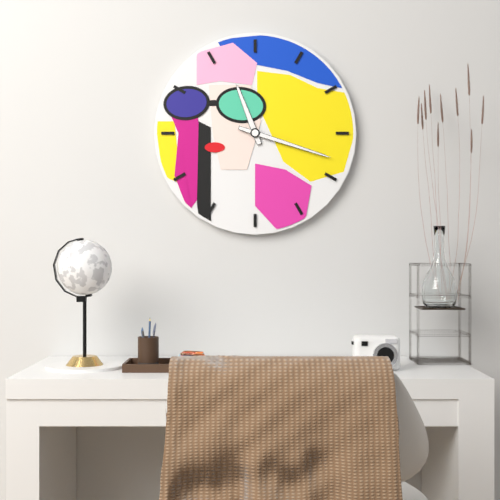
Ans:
11h18
